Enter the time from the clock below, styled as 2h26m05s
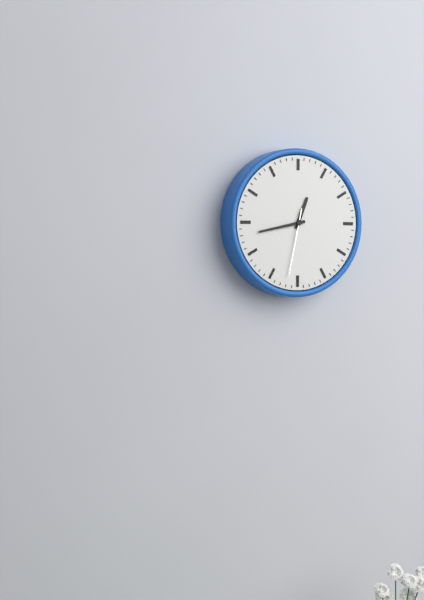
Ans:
12h43m32s
